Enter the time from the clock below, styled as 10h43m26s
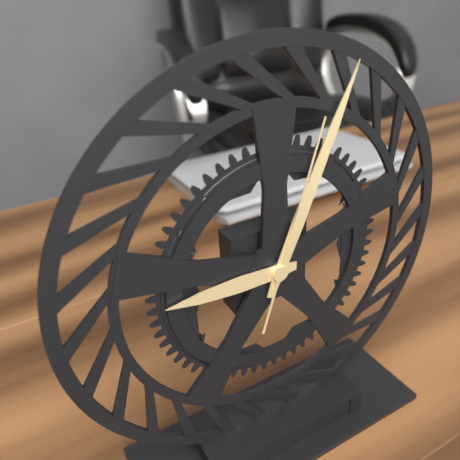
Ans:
9h04m03s
